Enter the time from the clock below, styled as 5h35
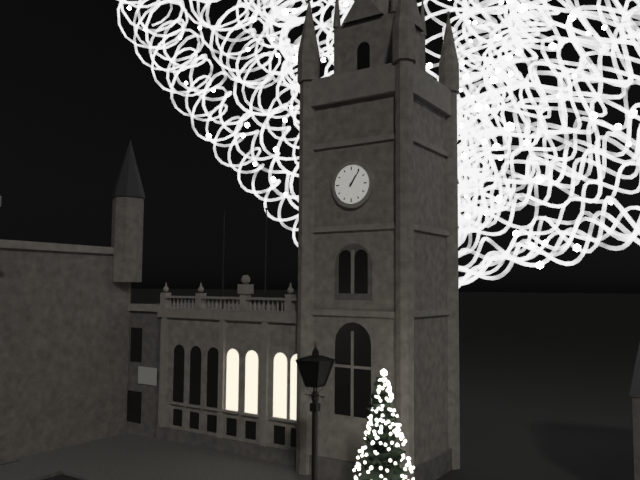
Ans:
1h06
